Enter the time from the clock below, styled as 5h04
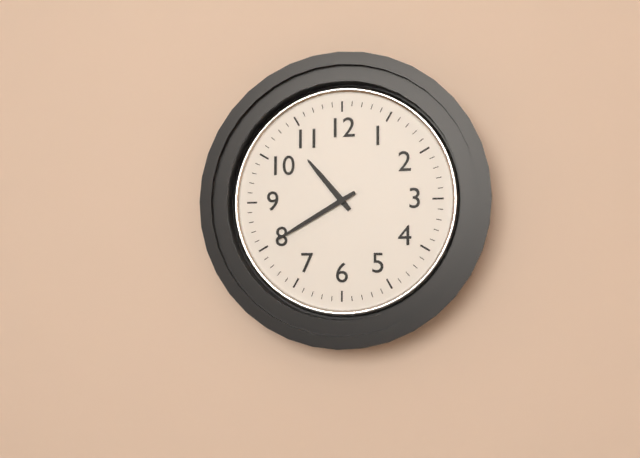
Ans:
10h40
